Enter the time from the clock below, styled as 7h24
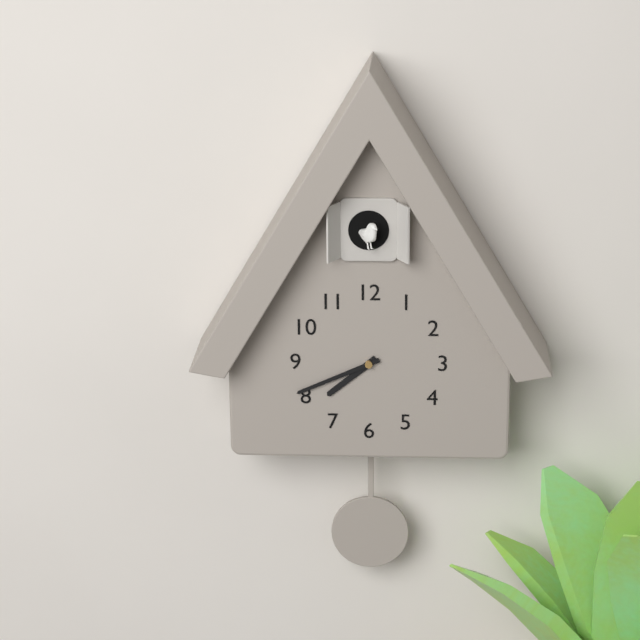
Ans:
7h41
